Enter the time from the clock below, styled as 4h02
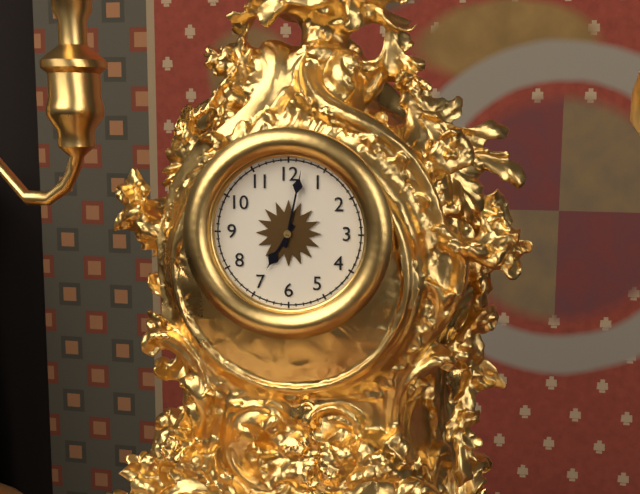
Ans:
7h02
